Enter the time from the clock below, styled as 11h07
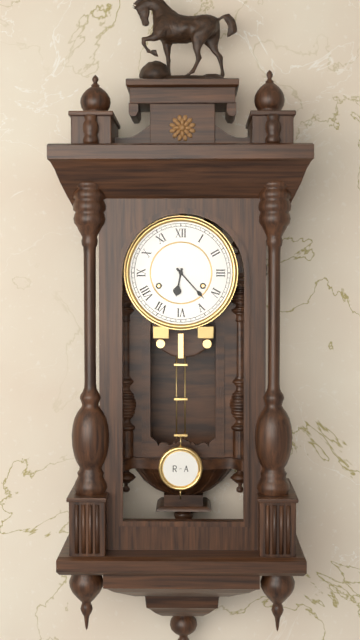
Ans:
6h23
